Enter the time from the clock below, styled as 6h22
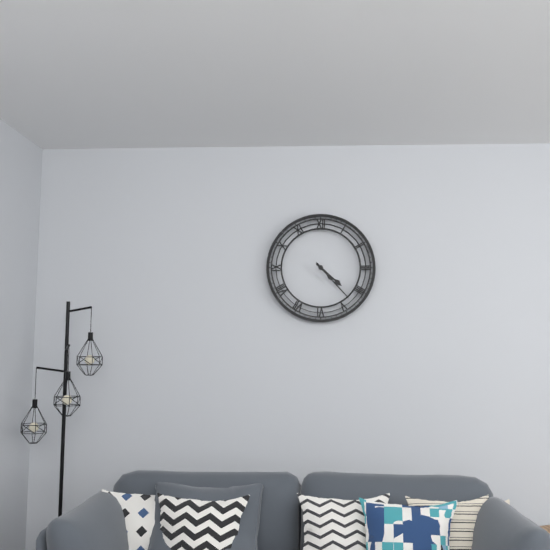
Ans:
4h23
